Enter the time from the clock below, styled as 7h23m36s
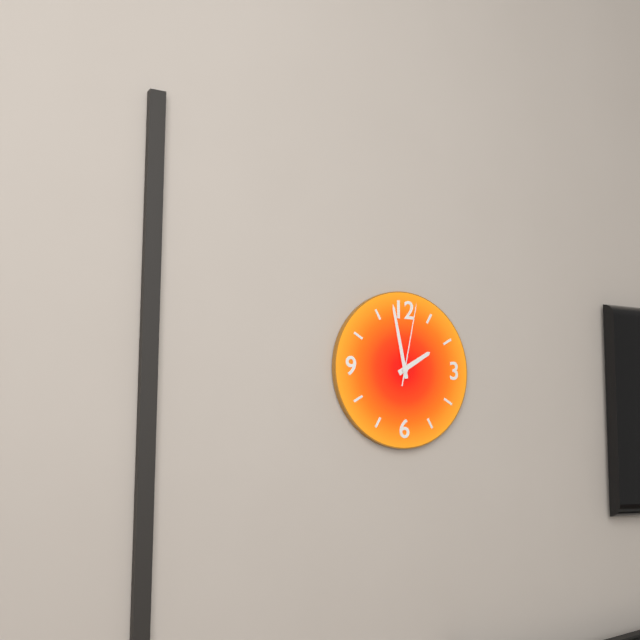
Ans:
1h58m02s
